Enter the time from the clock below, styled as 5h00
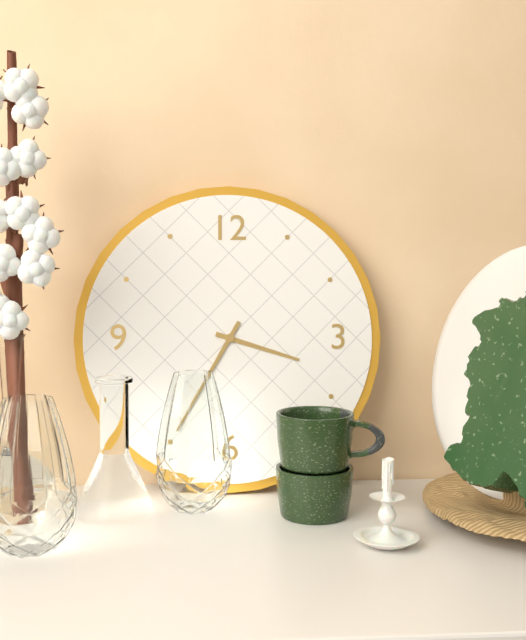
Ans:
3h35
